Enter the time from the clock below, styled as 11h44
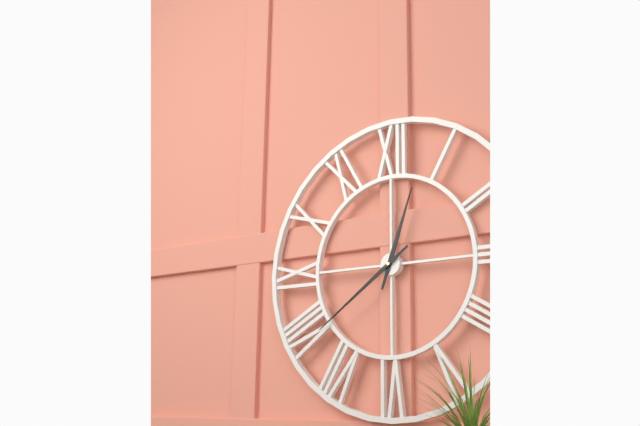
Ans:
12h39
